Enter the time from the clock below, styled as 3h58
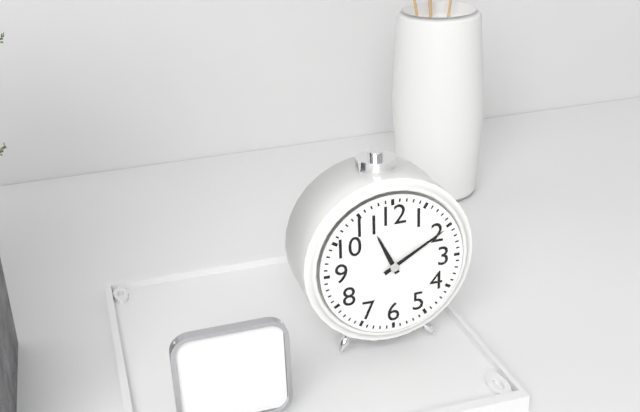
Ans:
11h10
